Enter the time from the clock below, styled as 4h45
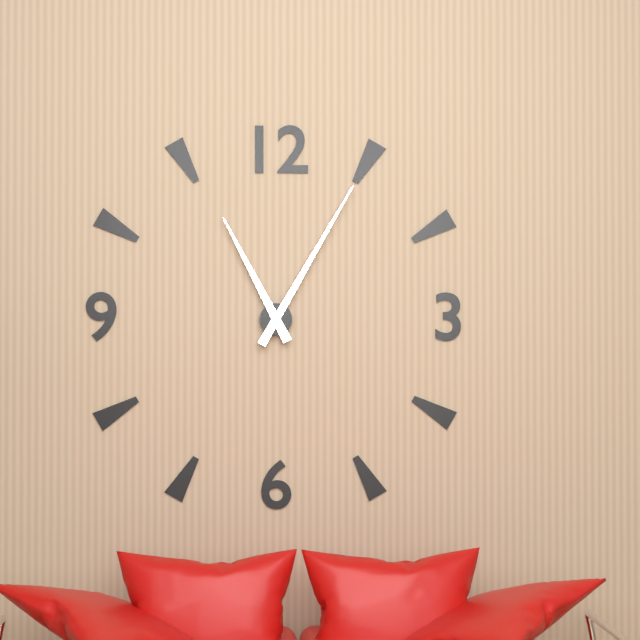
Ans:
11h05
